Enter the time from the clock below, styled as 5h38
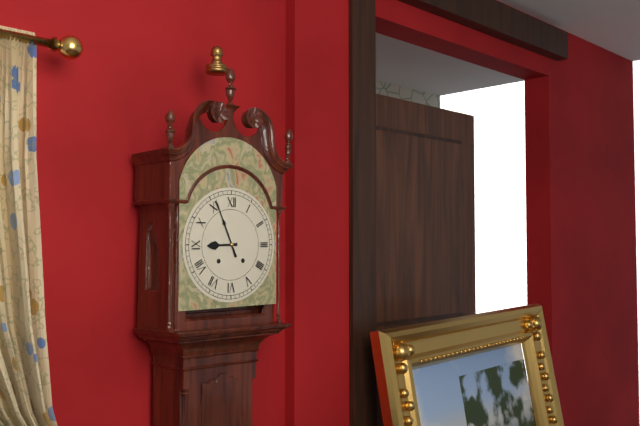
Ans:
8h56
